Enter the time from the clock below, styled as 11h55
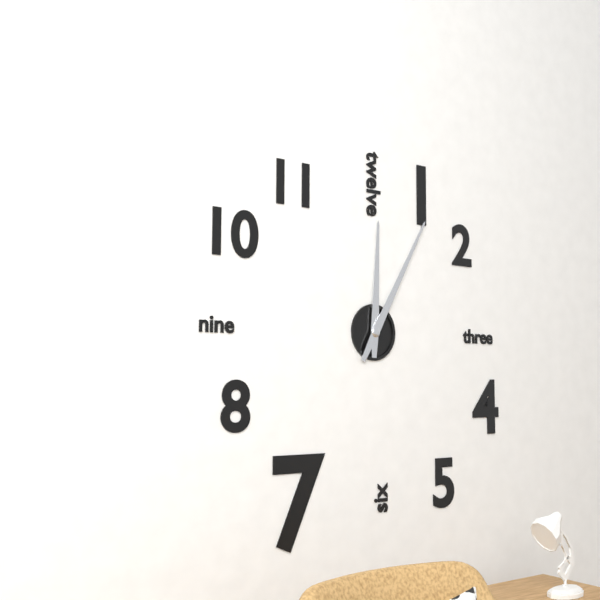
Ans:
12h05
